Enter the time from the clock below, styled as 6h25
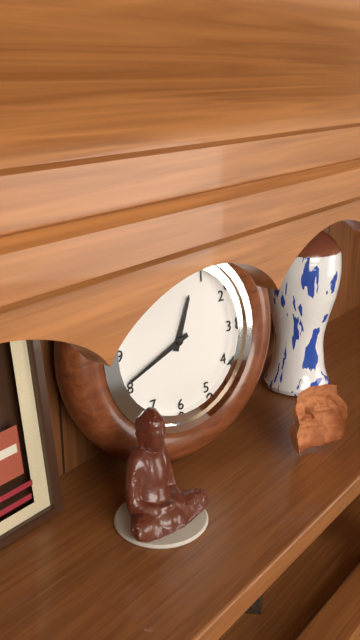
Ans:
12h41
